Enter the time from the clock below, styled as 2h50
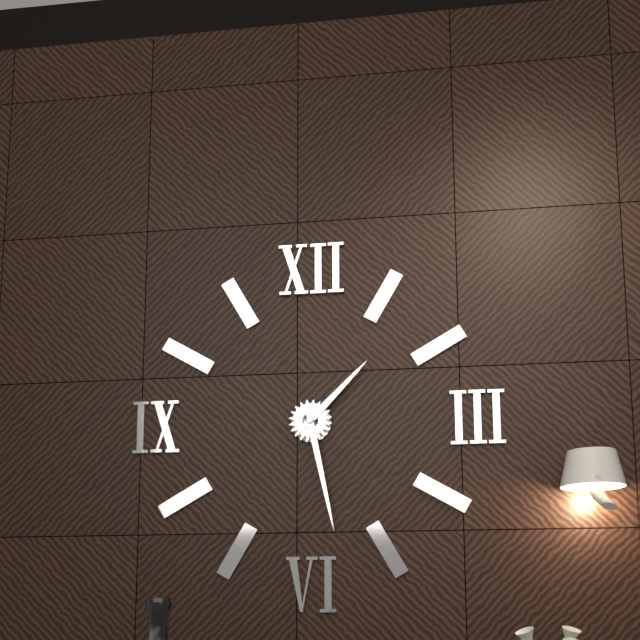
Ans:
1h28
